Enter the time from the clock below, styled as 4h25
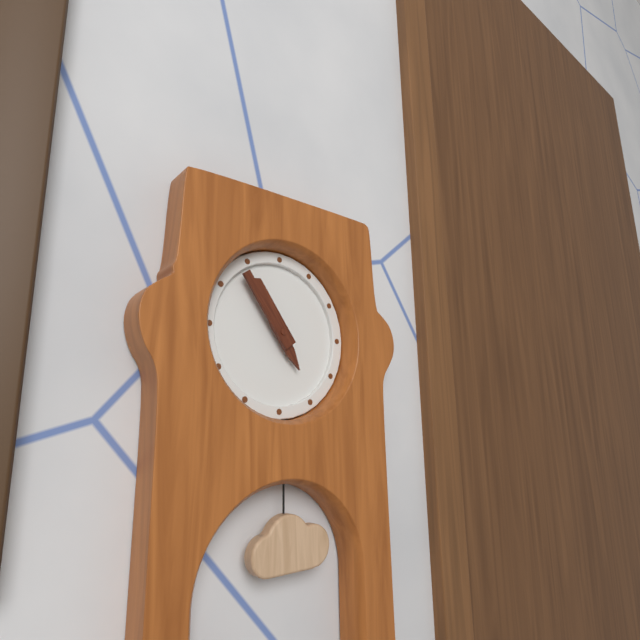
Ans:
4h54
